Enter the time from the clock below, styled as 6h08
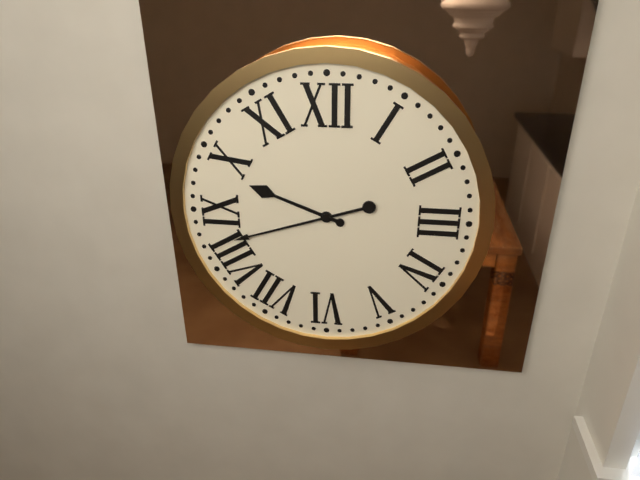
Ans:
9h42
